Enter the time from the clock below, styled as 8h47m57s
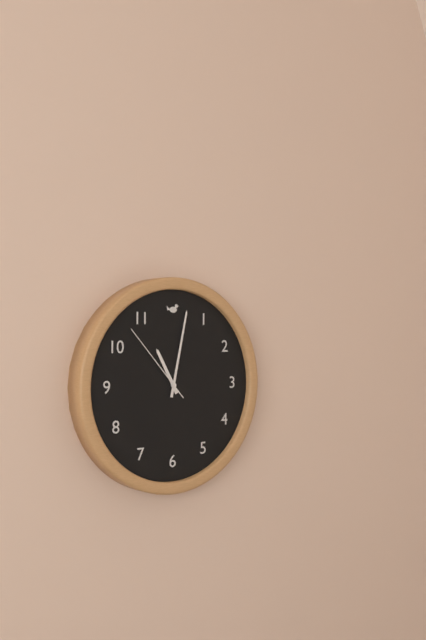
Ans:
11h02m53s
